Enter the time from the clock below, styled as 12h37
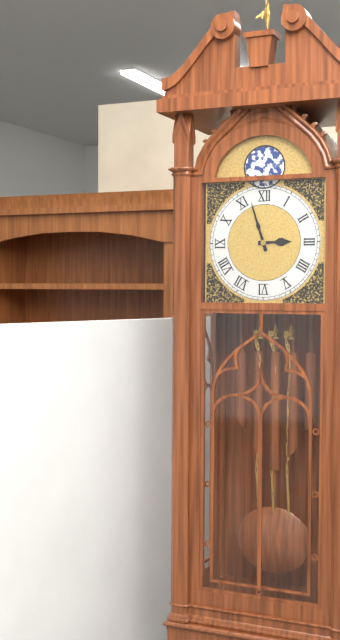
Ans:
2h57
